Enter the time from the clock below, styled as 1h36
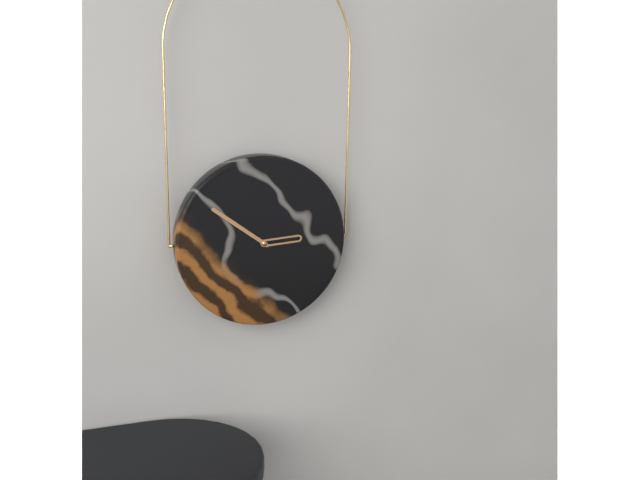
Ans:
2h51
